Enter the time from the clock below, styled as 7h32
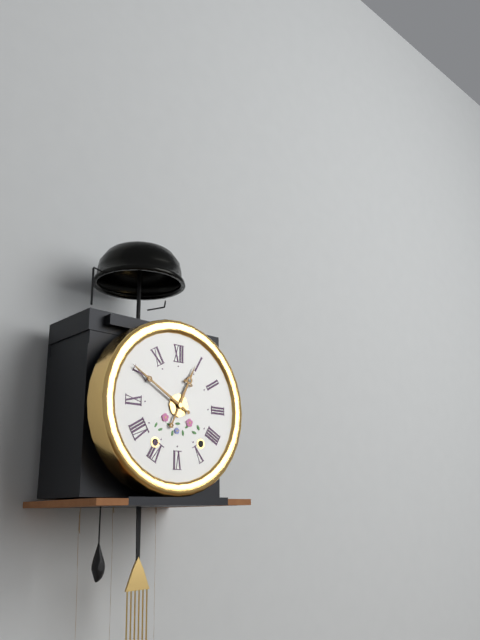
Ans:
12h50
